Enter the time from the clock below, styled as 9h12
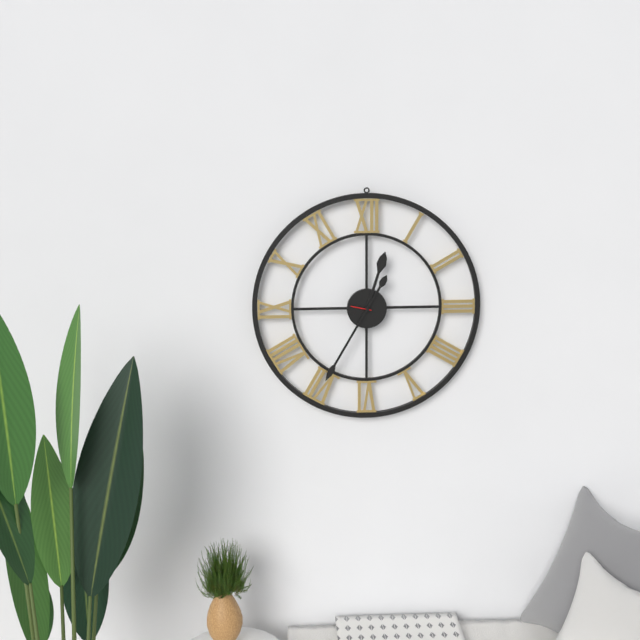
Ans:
12h35
